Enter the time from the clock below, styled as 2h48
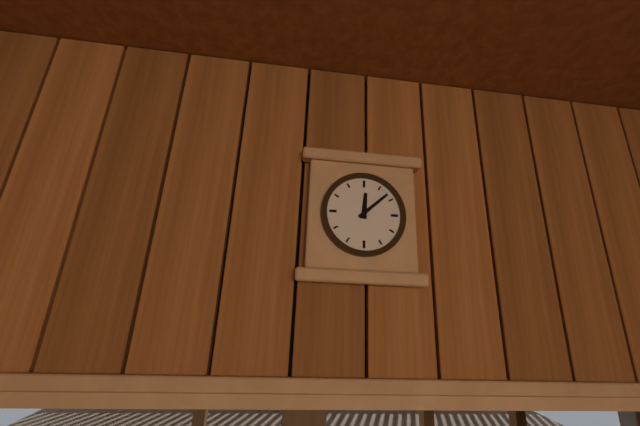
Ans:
12h08
